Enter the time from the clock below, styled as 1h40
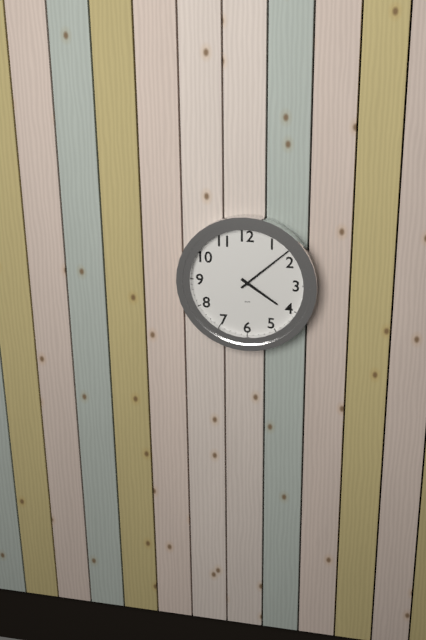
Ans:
4h08
